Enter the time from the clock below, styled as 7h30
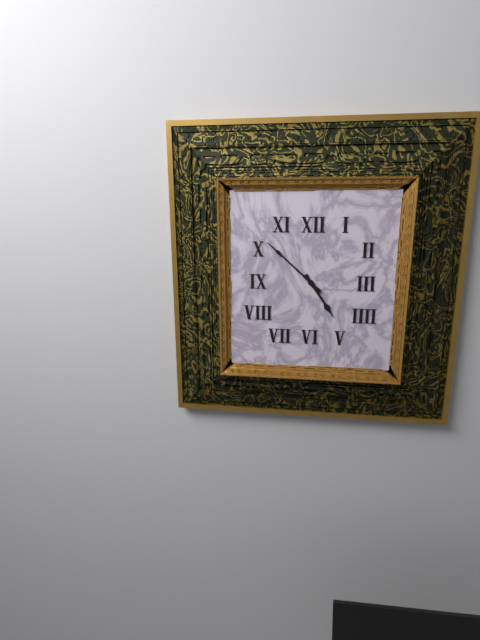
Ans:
4h52
